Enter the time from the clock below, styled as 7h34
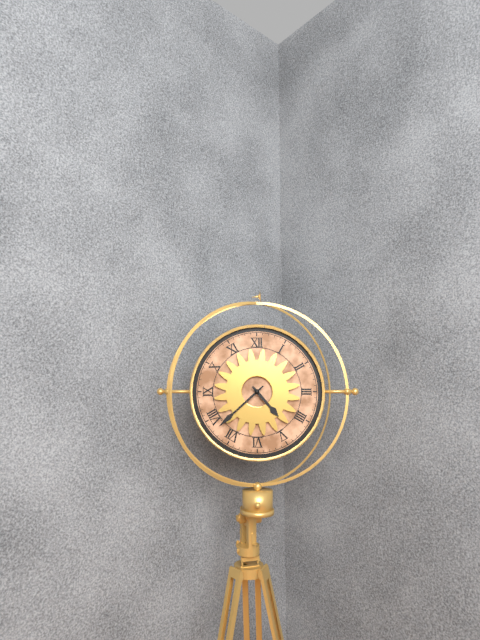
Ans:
4h38
